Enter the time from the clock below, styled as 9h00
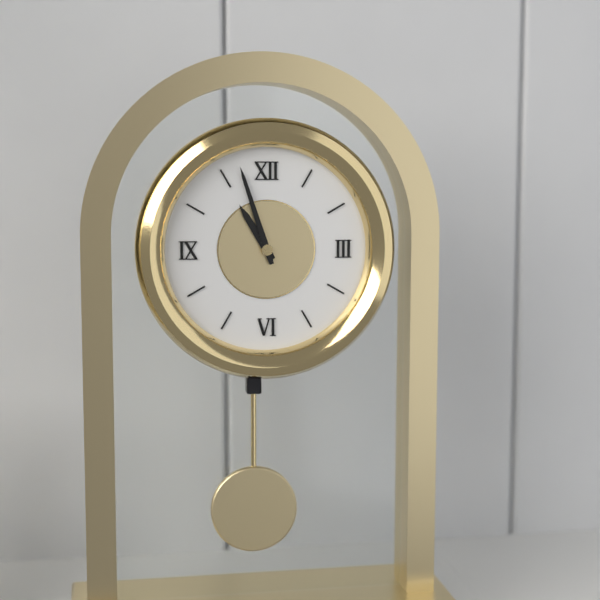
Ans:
10h57
